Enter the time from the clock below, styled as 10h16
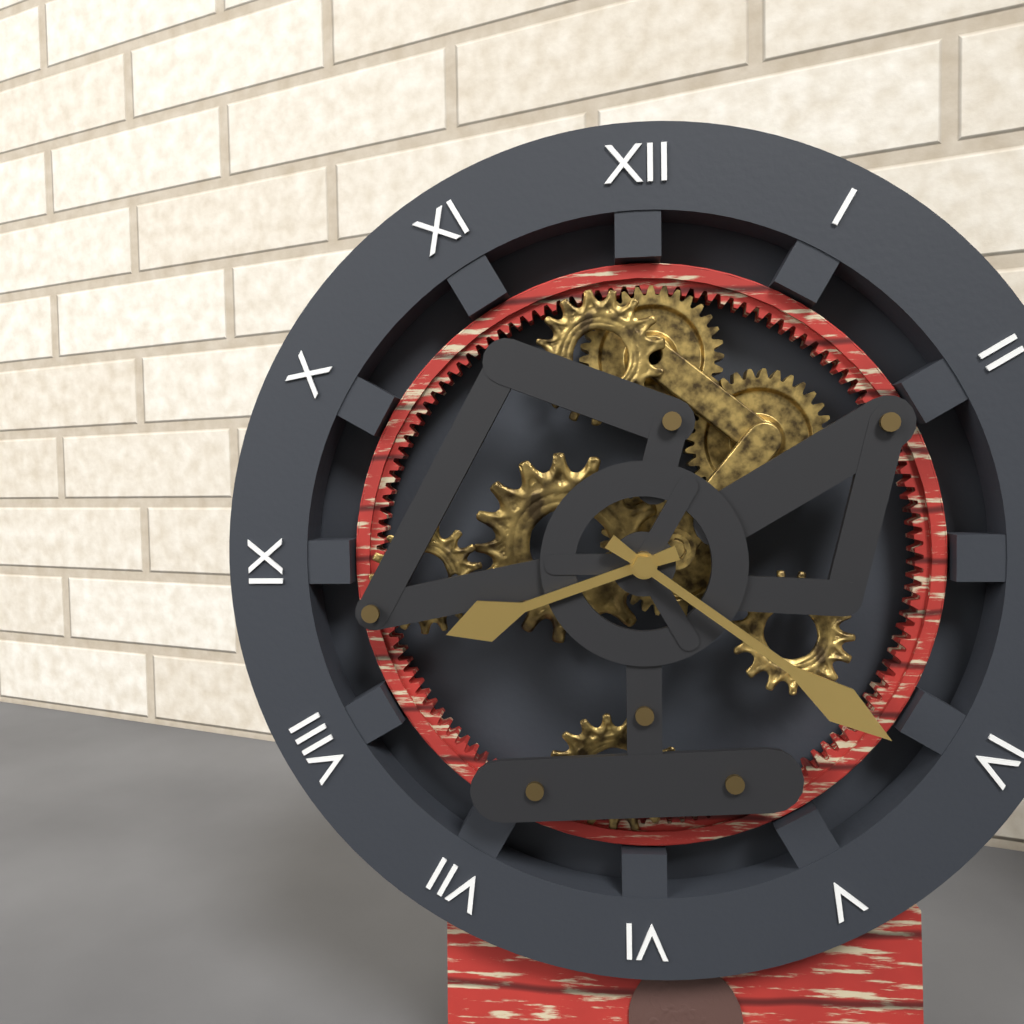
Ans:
8h21
